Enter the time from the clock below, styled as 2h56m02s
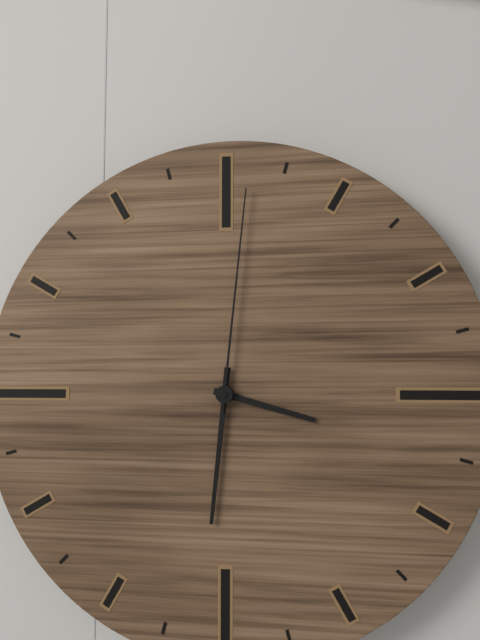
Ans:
3h31m01s
